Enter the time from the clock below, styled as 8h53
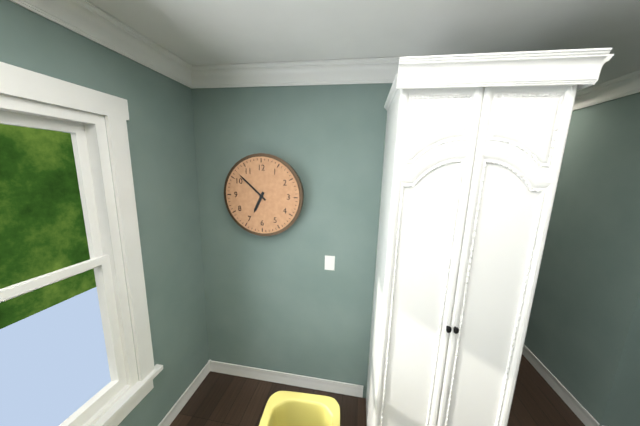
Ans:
6h52
